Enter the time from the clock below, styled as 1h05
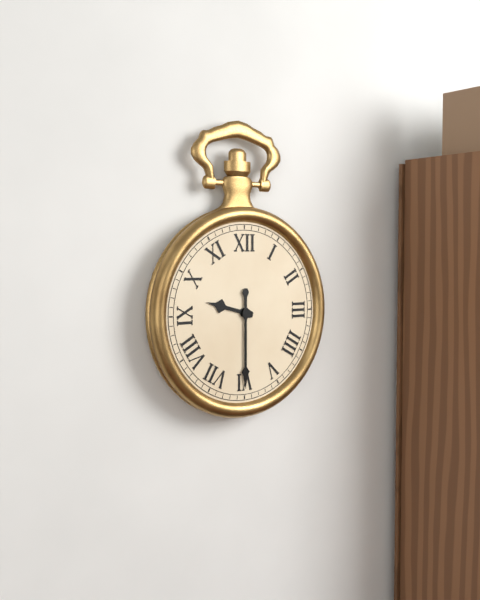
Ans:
9h30
